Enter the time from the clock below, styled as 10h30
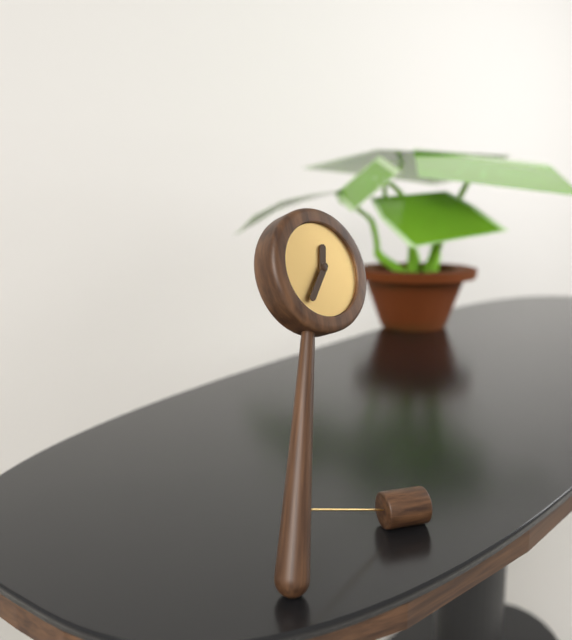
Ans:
12h37
